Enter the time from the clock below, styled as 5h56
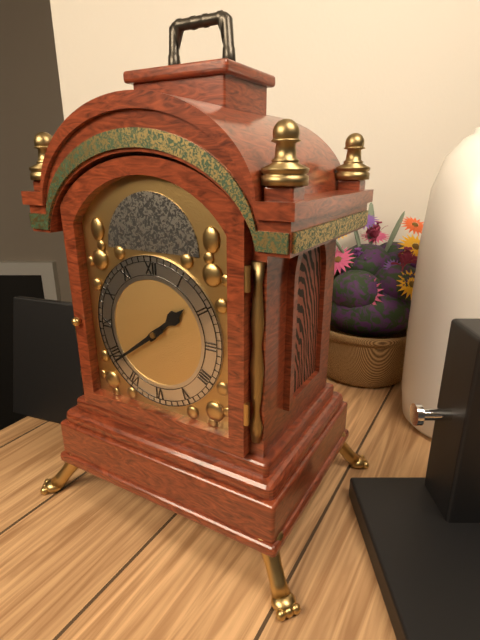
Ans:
1h39
